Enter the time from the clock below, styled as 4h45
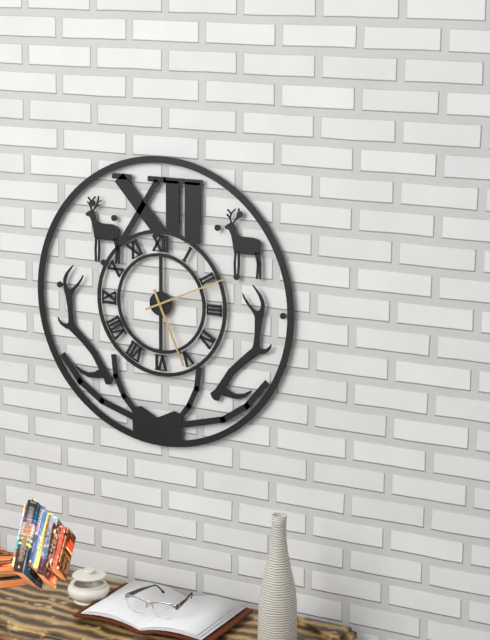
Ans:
5h11
